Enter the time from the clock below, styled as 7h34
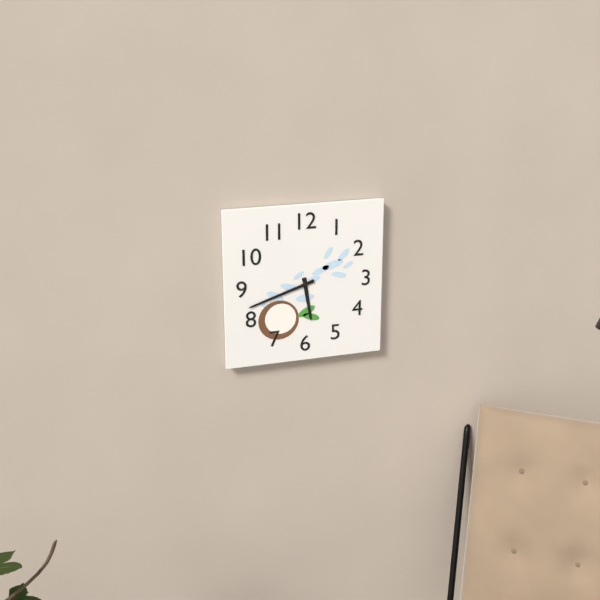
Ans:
5h42
